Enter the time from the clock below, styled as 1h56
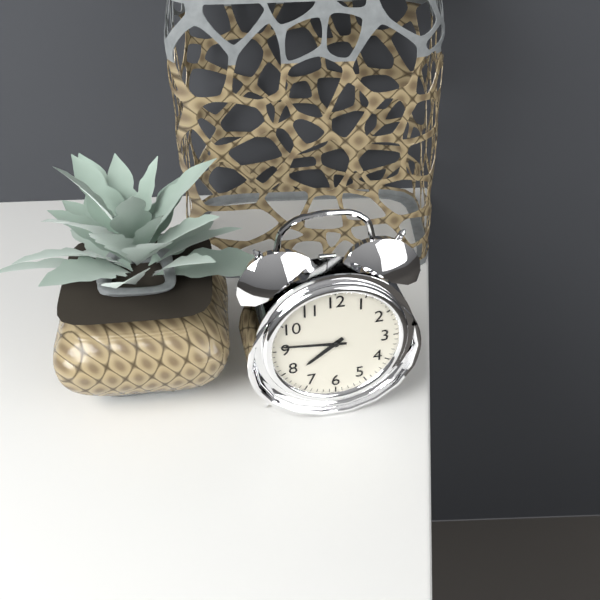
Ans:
7h46
